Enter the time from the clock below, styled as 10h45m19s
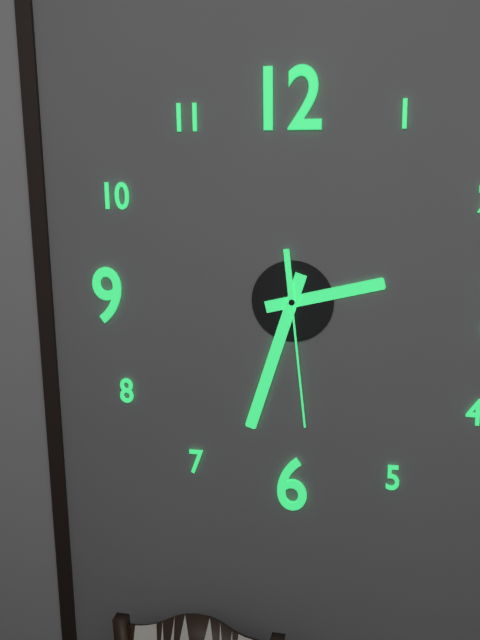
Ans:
2h33m29s
